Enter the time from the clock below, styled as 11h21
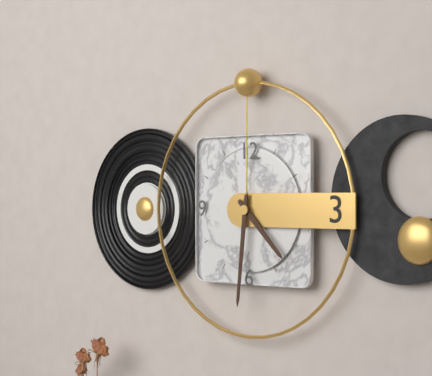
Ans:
4h31
